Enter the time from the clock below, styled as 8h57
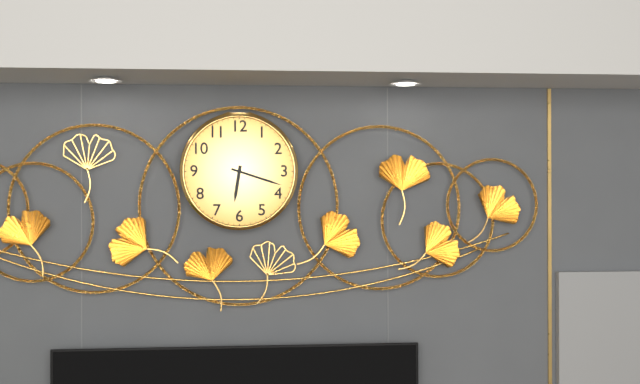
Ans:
6h18
